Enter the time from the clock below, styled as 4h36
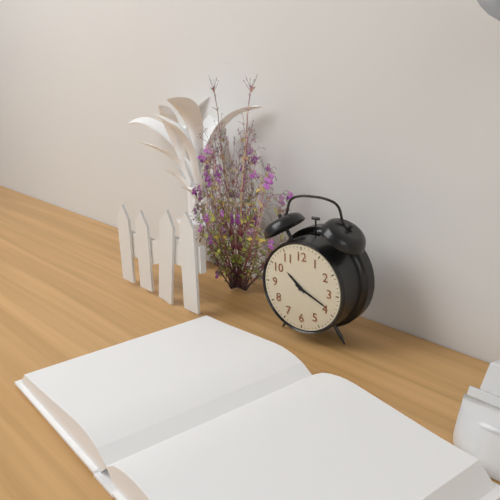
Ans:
10h19
